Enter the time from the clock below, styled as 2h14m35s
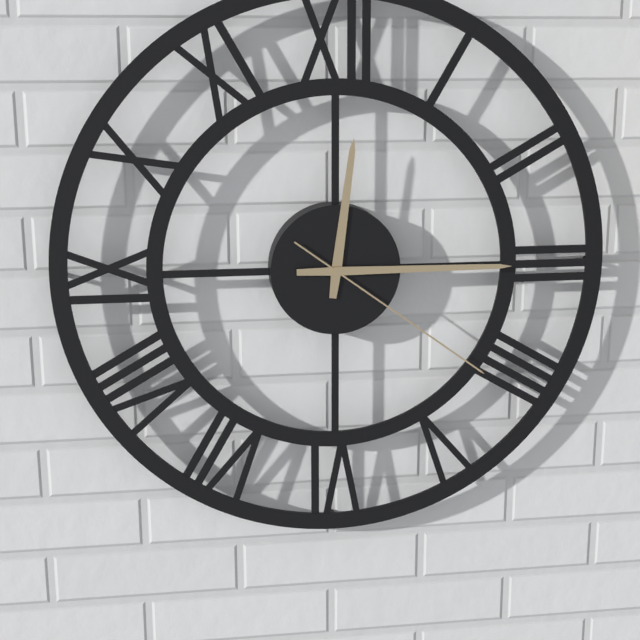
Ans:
12h15m21s
